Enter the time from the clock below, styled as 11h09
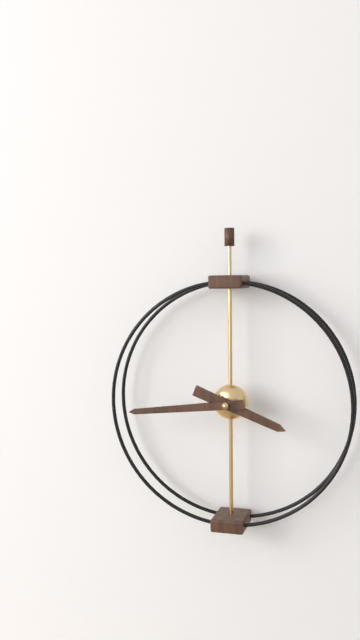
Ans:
3h44
